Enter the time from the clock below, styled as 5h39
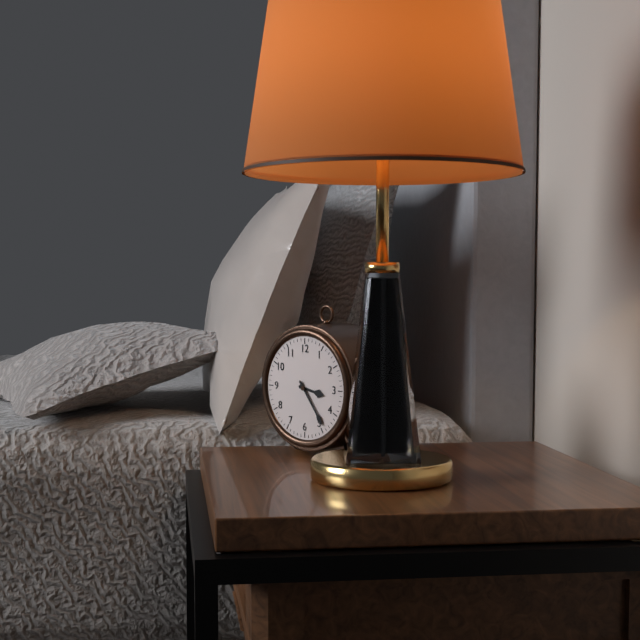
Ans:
3h24
